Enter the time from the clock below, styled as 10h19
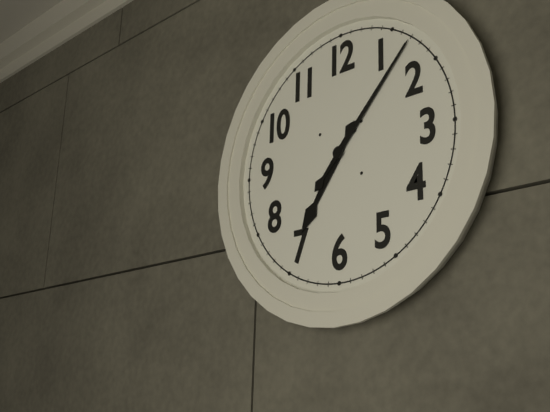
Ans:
7h07
